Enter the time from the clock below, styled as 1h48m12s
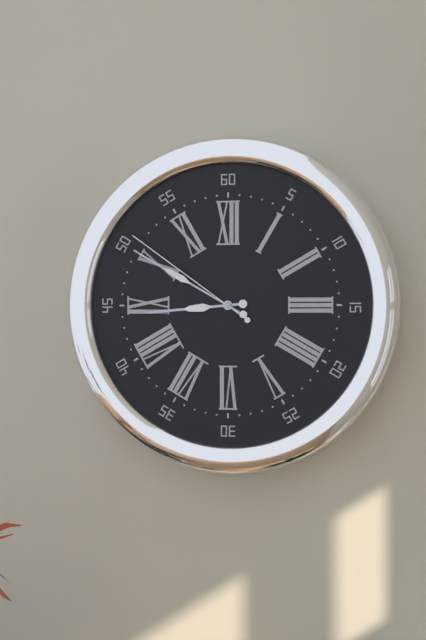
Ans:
8h50m51s
